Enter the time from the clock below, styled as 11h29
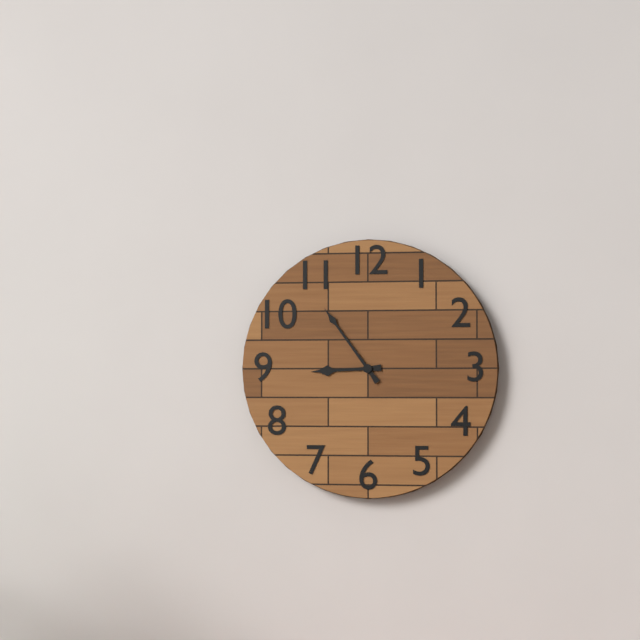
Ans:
8h54
